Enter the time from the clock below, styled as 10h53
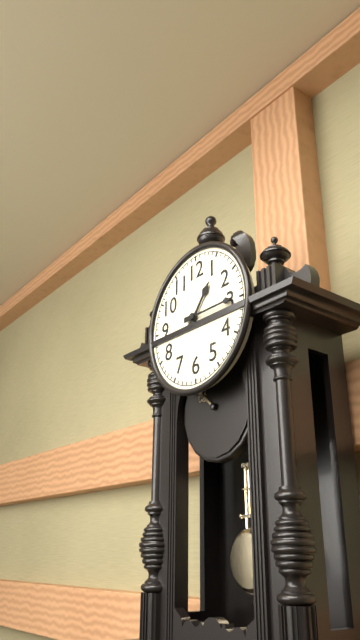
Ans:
1h15
